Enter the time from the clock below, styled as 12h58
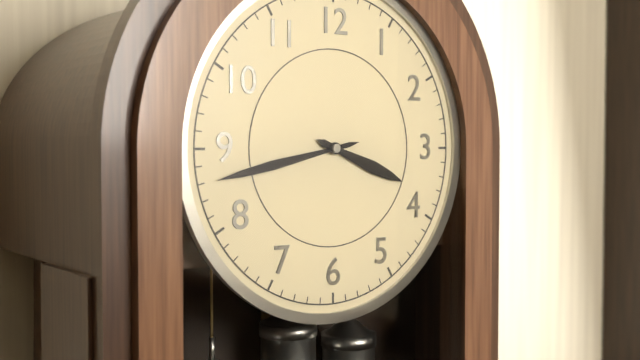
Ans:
3h43
